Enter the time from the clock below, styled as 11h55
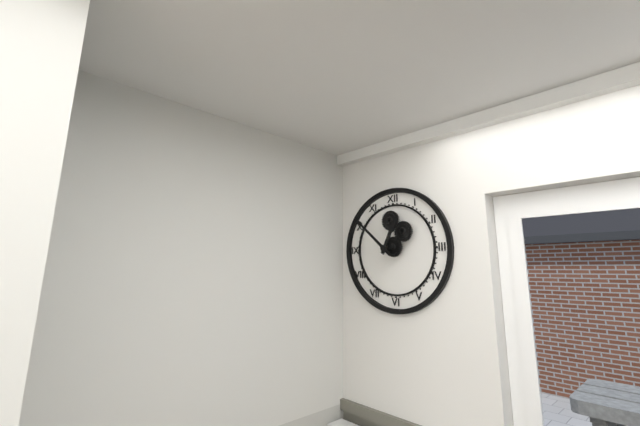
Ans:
12h52
